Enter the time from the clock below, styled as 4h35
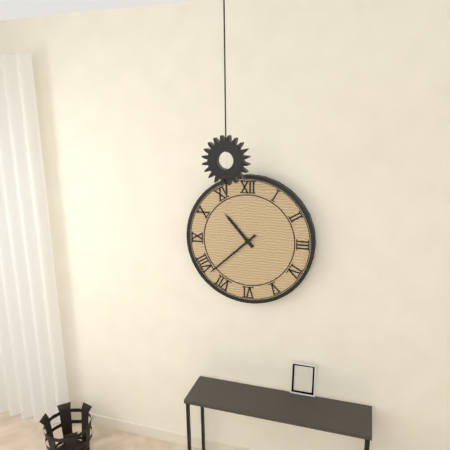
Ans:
10h38
